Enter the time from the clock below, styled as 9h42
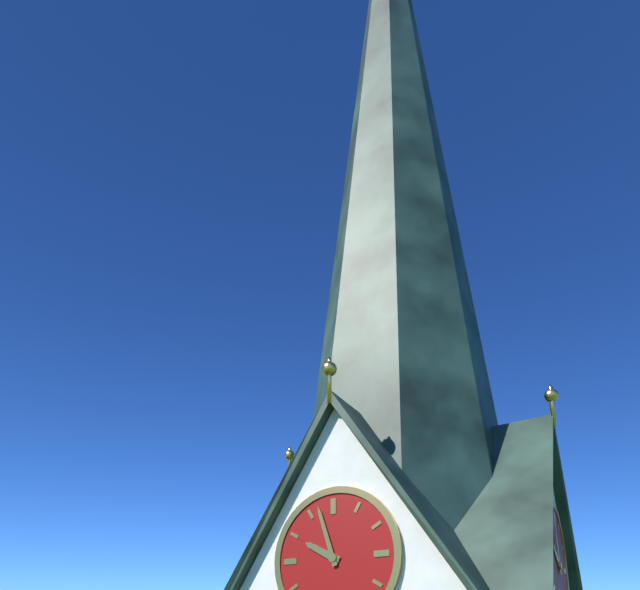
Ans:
9h57
